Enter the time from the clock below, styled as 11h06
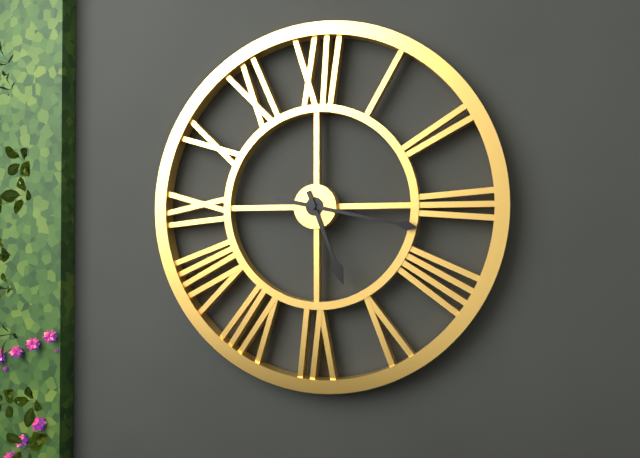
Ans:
5h17
